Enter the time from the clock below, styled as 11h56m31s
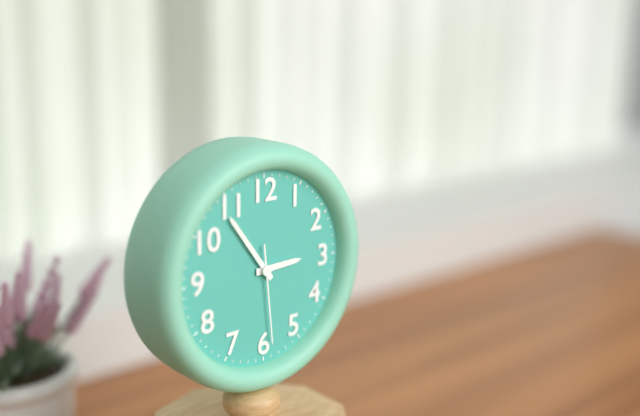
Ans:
2h54m29s
